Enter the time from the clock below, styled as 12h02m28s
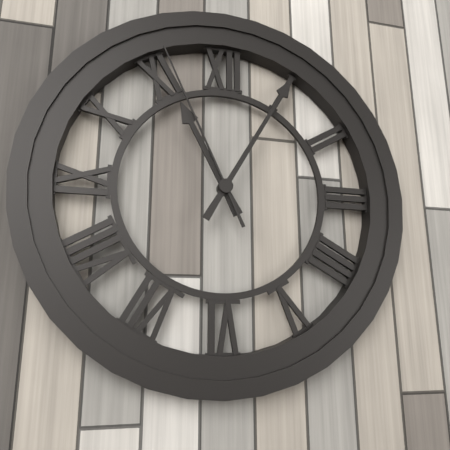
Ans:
11h05m56s
